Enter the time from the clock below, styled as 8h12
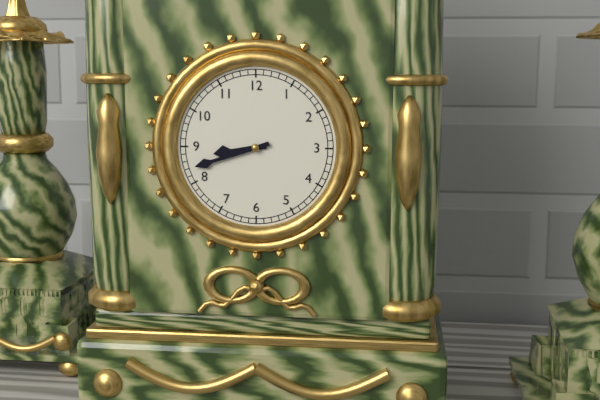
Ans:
8h42
